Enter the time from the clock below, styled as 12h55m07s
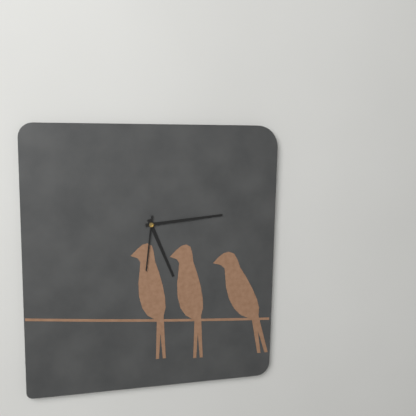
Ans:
5h14m31s
